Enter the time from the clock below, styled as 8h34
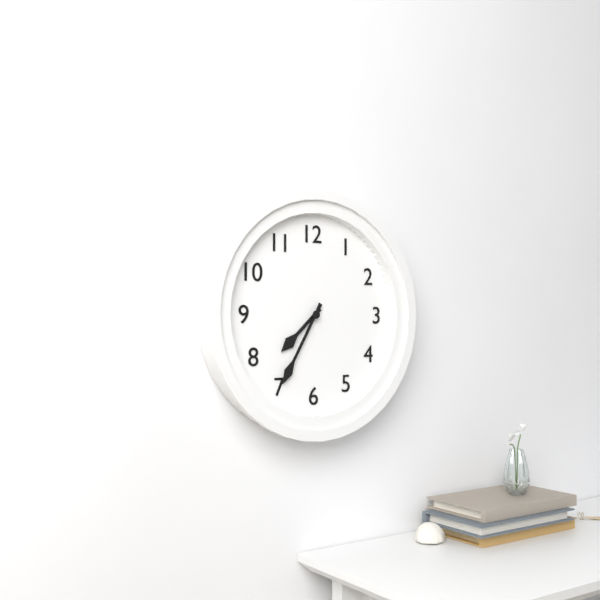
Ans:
7h35
